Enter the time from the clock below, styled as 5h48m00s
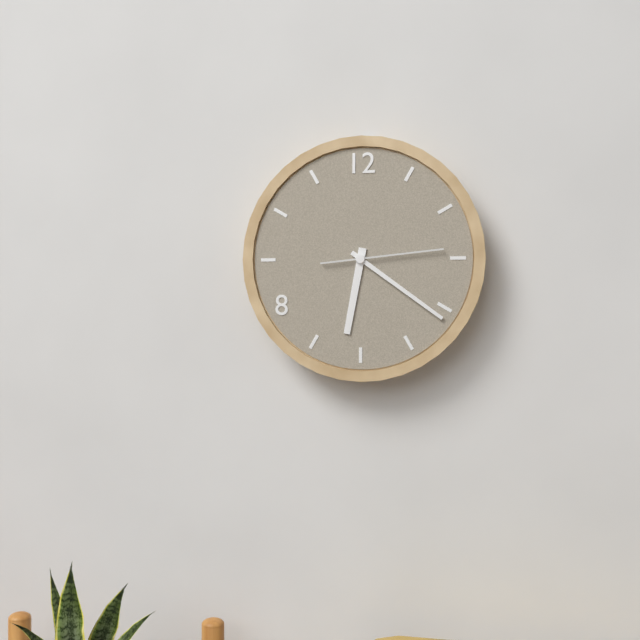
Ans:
6h21m14s
